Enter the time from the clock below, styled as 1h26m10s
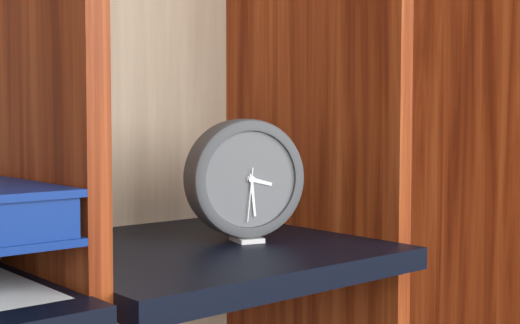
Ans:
3h29m31s
